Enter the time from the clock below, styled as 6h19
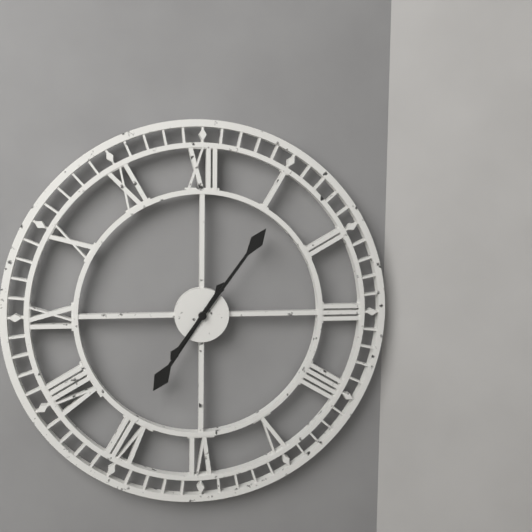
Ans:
7h06
